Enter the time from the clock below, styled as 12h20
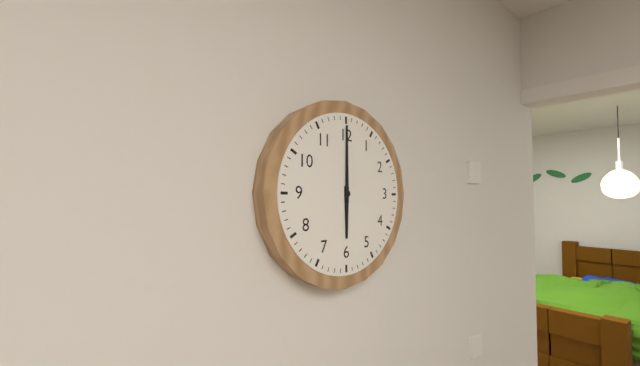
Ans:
6h00
